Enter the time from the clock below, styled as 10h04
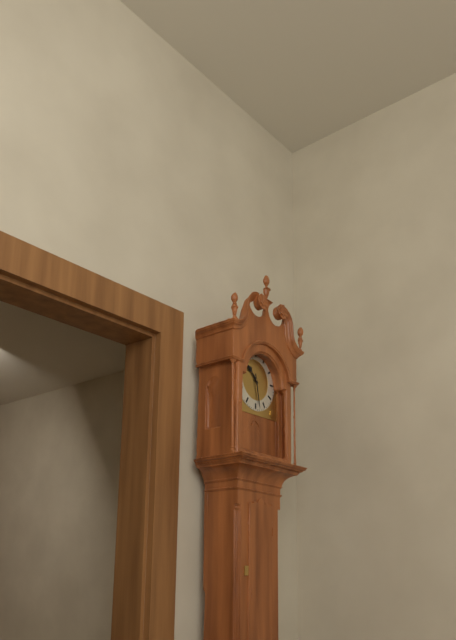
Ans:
10h28
